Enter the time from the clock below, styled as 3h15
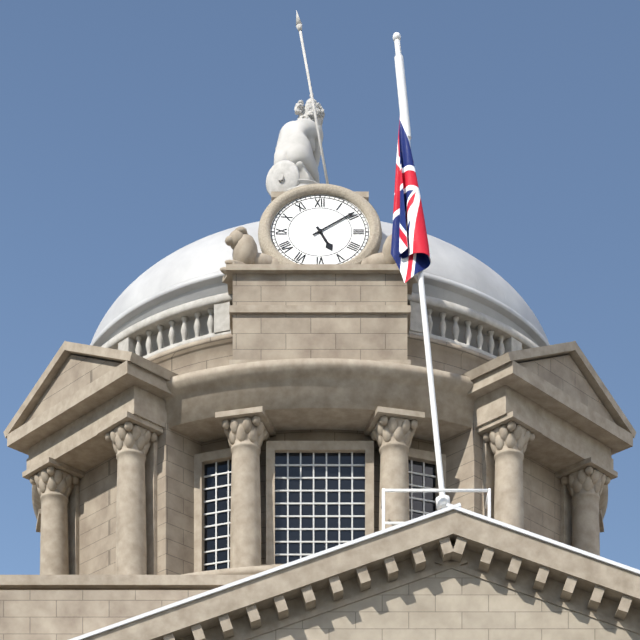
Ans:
5h09
